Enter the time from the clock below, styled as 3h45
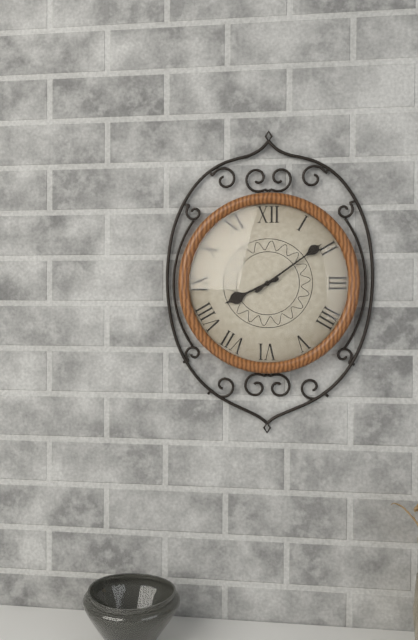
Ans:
8h09
